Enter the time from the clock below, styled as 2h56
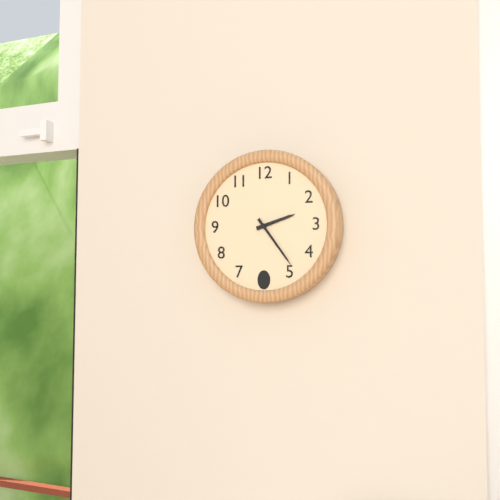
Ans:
2h24
